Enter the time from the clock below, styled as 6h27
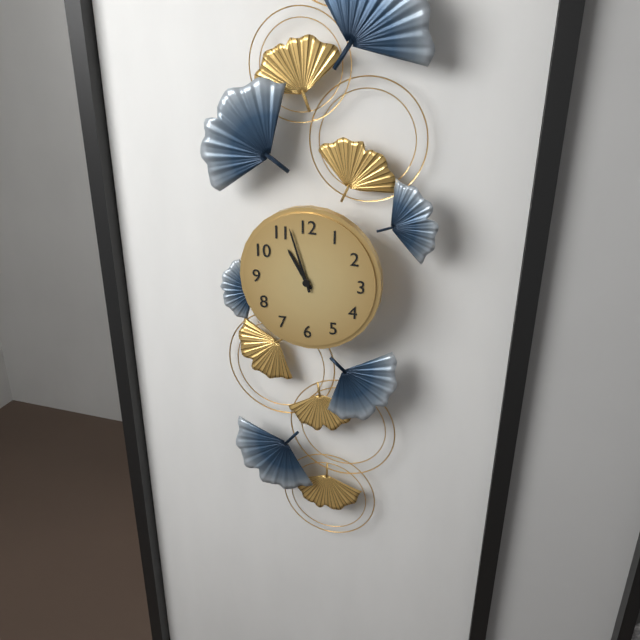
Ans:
10h57
